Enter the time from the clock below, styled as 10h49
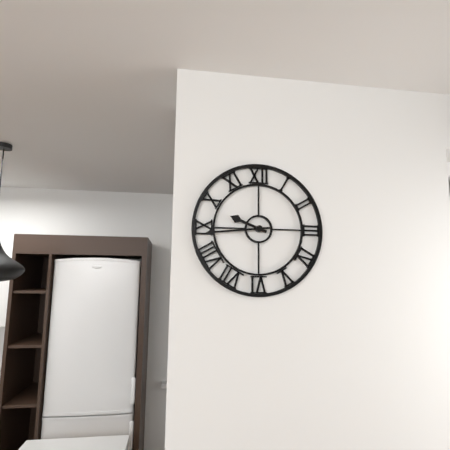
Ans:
9h44
